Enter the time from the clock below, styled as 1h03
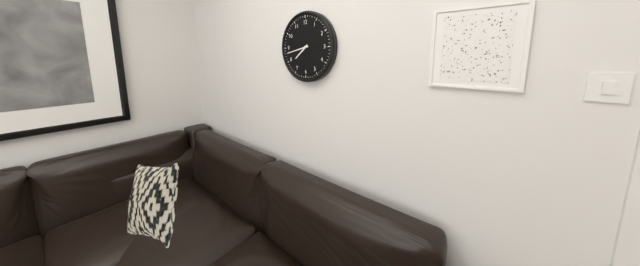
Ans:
7h43
